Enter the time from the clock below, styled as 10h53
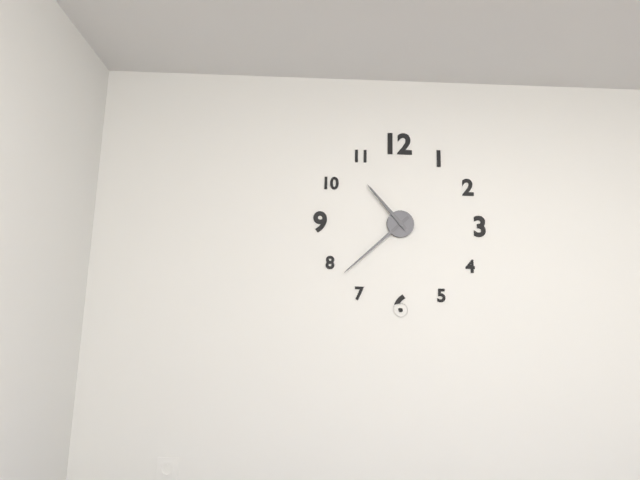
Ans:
10h38
